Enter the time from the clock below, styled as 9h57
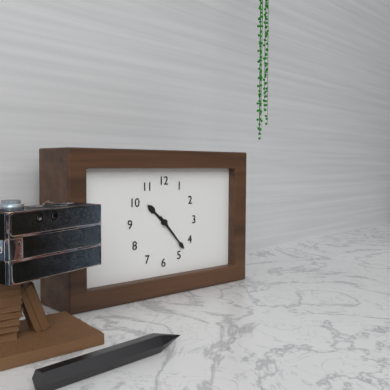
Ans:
10h23
